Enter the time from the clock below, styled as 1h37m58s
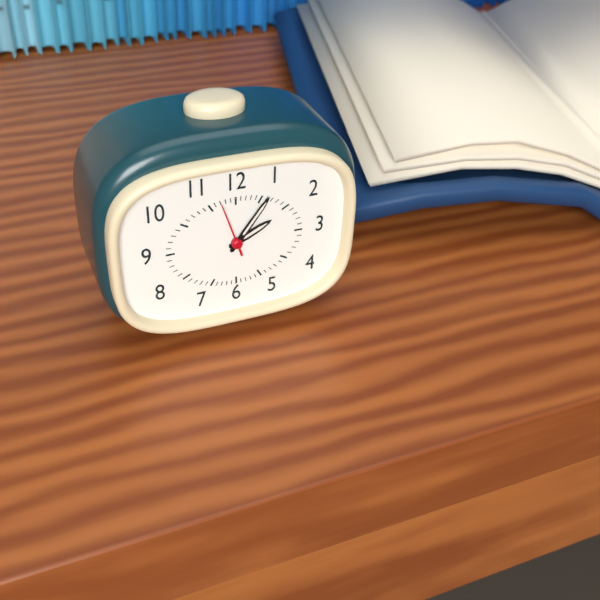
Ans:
2h06m57s
